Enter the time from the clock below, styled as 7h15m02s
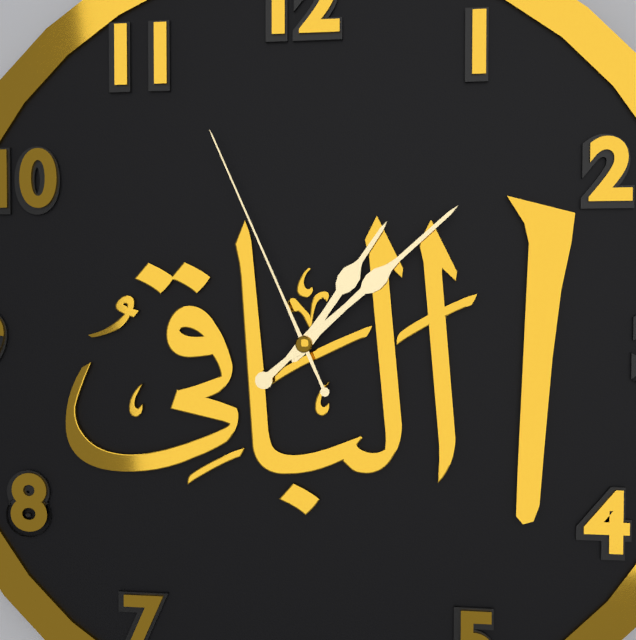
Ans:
1h08m56s
